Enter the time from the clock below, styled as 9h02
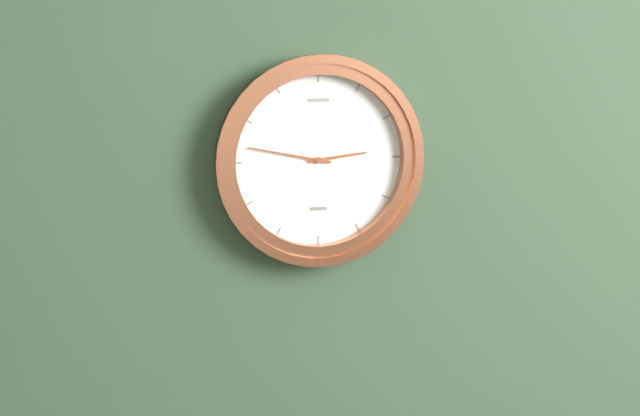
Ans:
2h47
